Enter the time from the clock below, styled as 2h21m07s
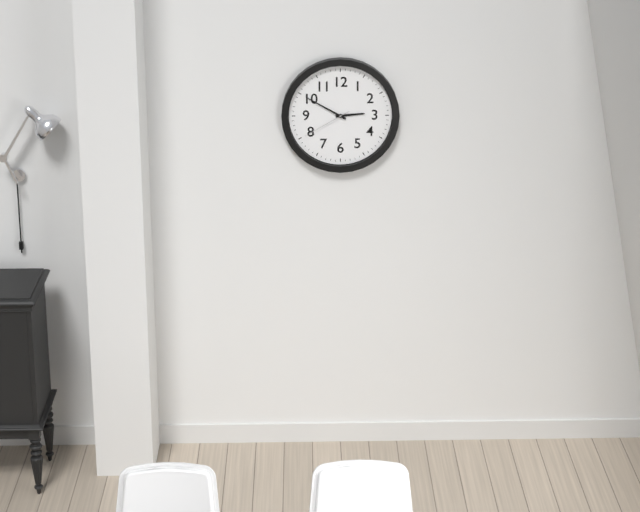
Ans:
2h50m40s
